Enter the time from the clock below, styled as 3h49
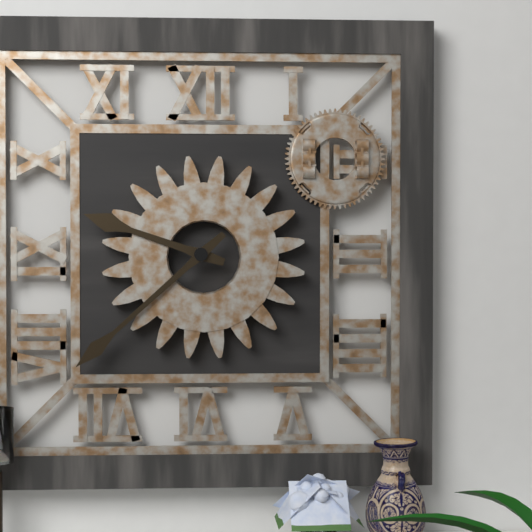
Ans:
9h38
